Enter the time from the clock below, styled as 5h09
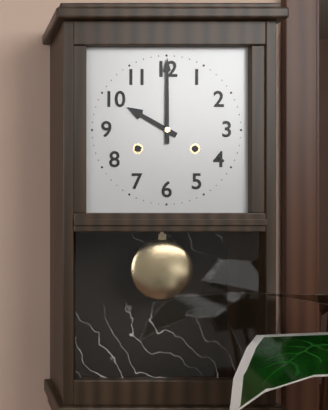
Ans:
10h00
